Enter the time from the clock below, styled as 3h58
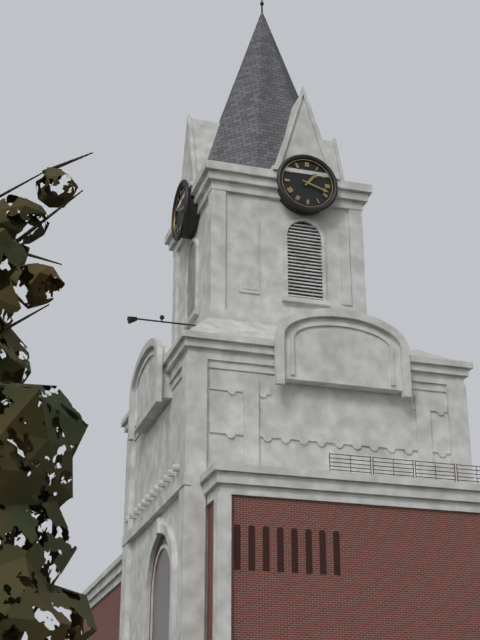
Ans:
1h18
